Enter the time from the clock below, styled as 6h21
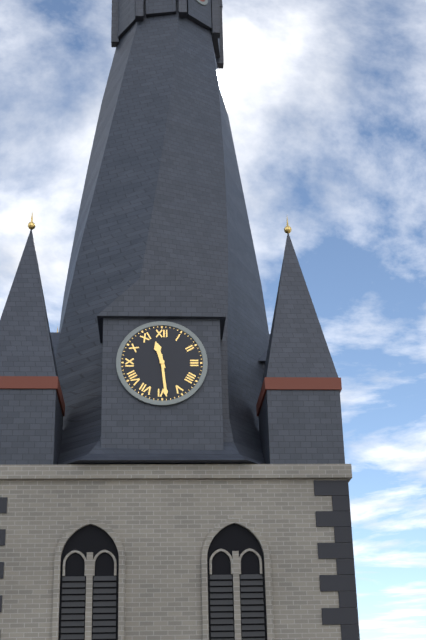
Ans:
11h29
